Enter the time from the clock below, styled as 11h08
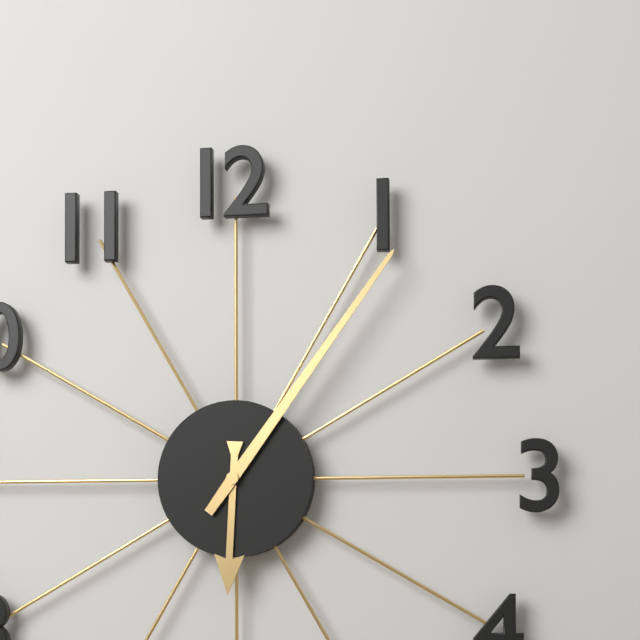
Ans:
6h06
